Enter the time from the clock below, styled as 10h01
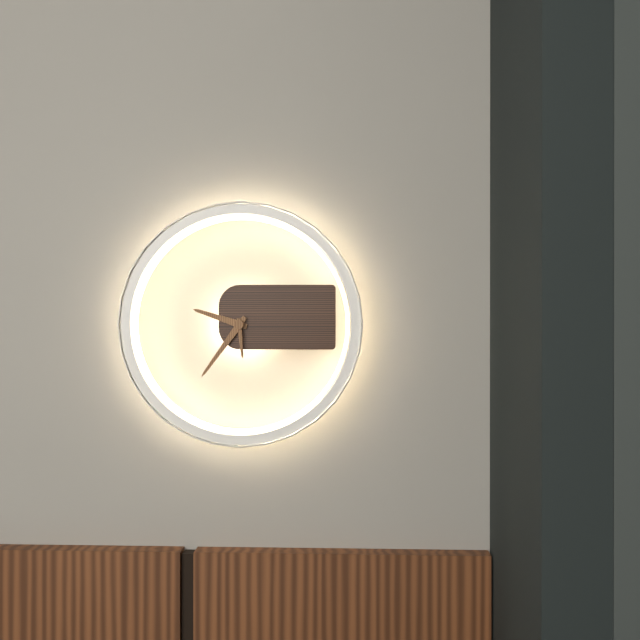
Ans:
9h36
